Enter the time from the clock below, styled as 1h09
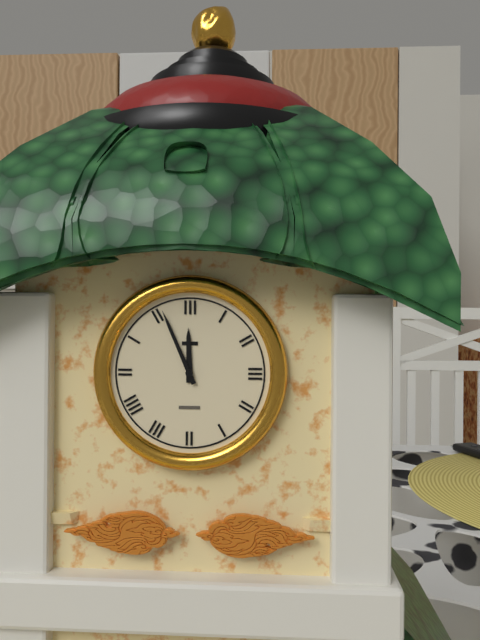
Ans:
11h56
